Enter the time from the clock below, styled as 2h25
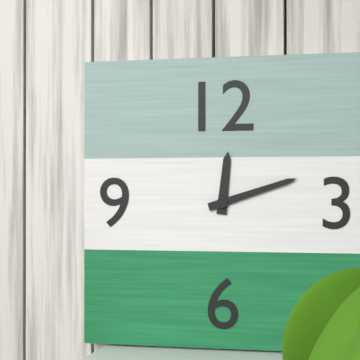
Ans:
12h12
